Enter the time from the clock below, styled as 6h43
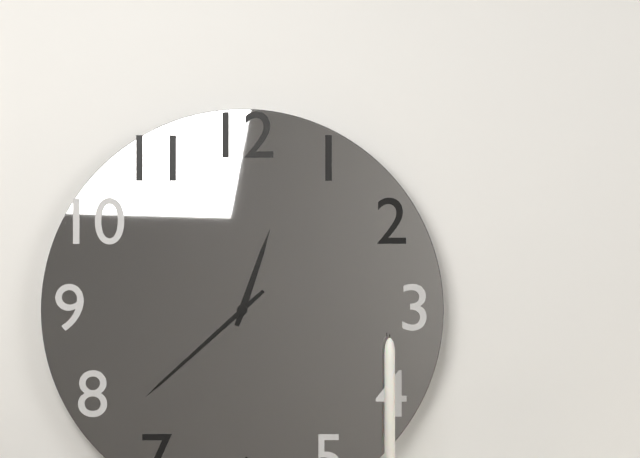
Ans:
12h38
